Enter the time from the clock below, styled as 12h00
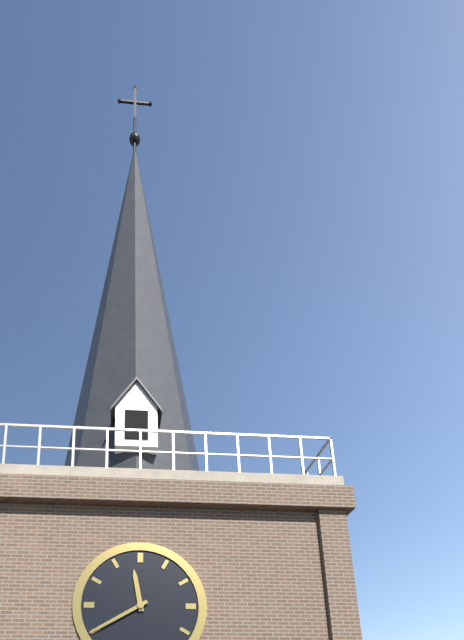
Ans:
11h40
